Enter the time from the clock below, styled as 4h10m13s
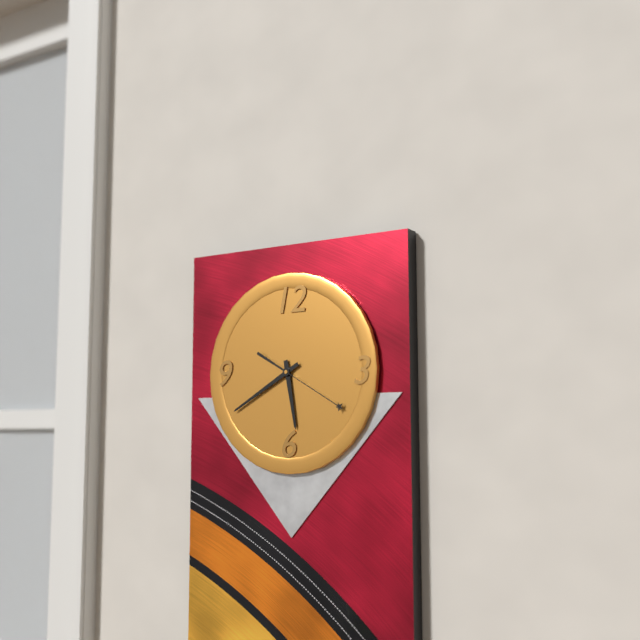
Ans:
5h40m20s
